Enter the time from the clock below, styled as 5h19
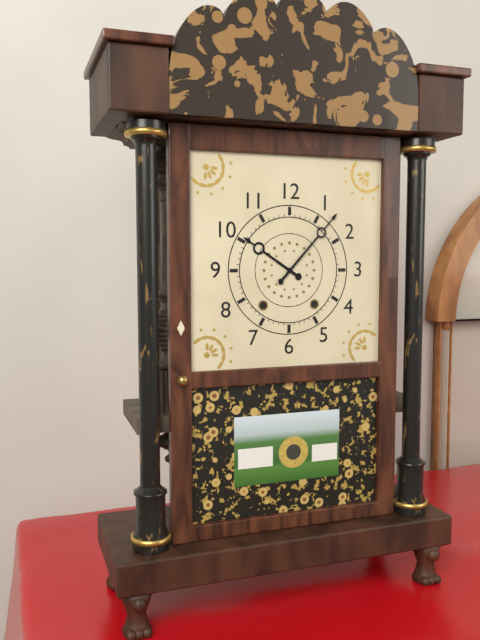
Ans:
10h07
